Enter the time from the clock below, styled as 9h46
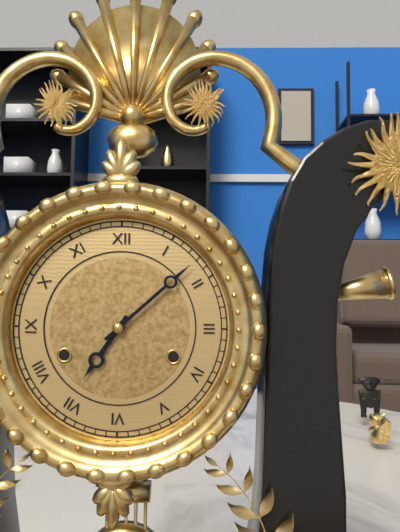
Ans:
7h08
